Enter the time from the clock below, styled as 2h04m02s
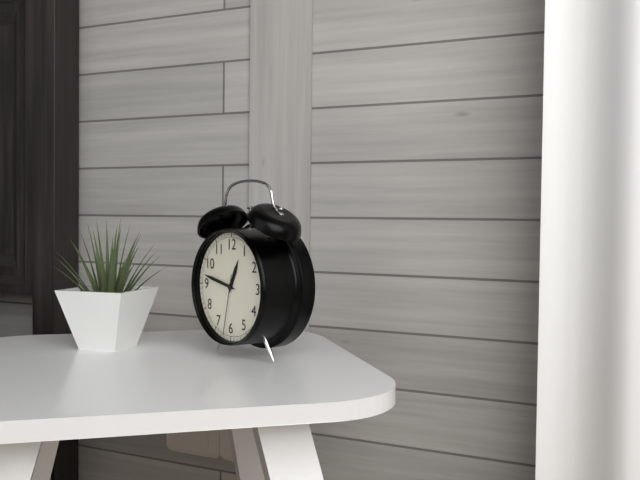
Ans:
12h47m32s
